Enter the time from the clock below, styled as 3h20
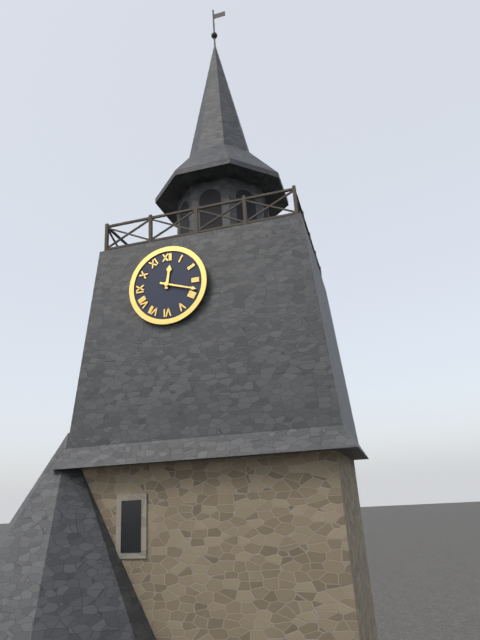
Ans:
12h18
